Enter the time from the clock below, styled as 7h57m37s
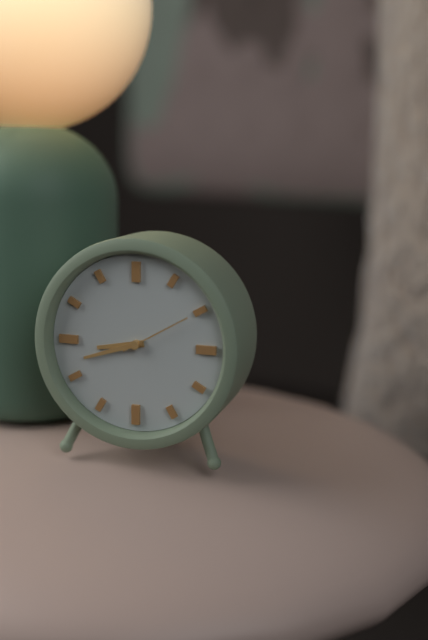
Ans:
8h42m10s
